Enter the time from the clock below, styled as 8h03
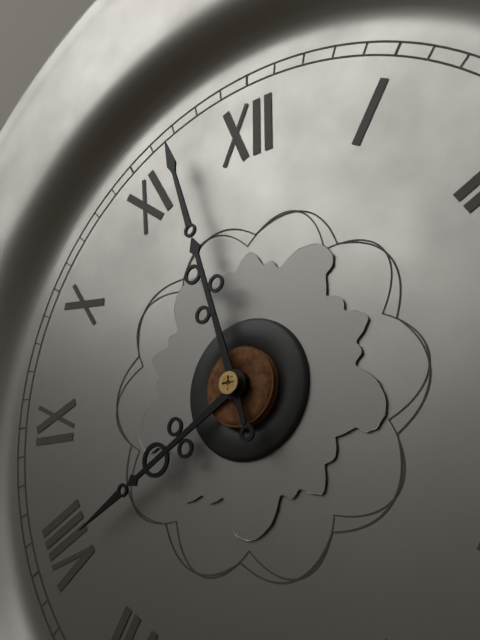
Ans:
7h57
